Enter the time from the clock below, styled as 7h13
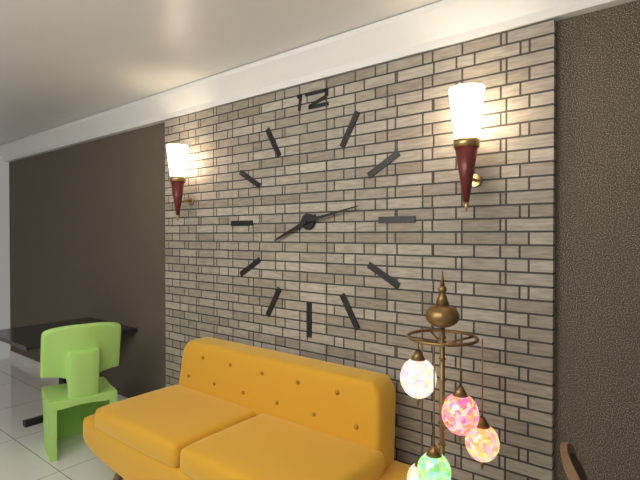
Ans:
8h13
